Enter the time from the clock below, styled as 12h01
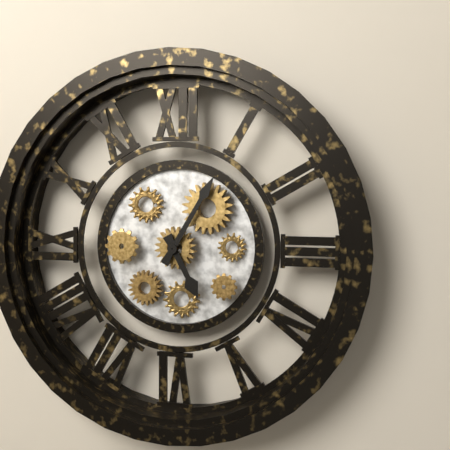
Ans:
5h05
